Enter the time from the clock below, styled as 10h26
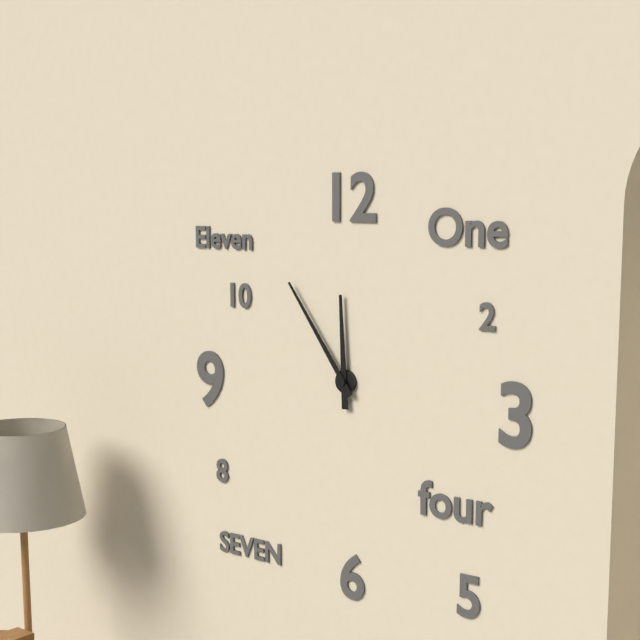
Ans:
11h54
